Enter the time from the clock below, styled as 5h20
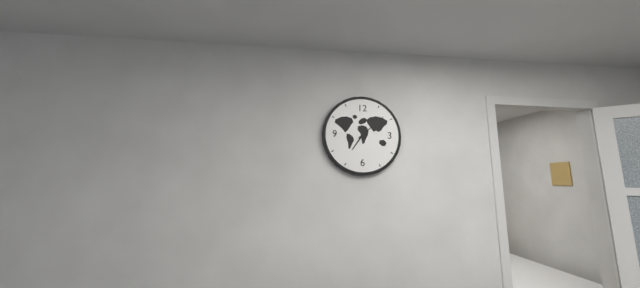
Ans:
7h08
